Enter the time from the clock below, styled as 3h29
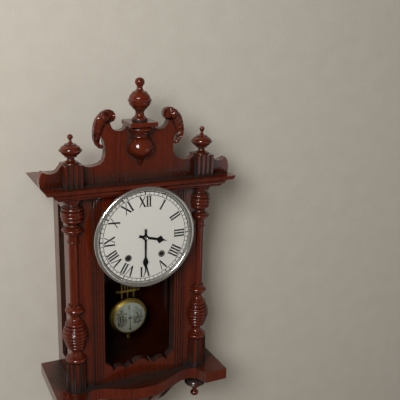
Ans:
3h30
